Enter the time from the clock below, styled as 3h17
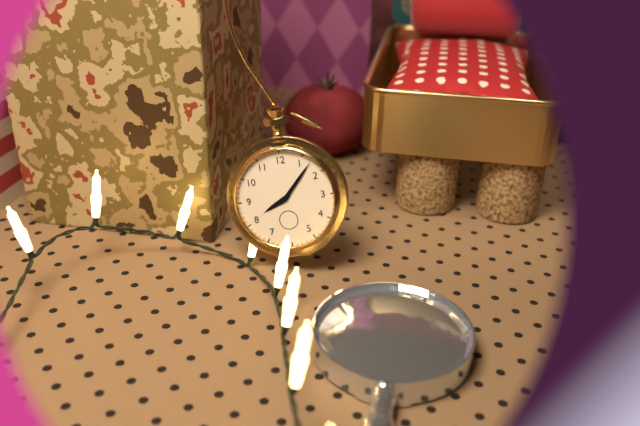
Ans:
8h07
